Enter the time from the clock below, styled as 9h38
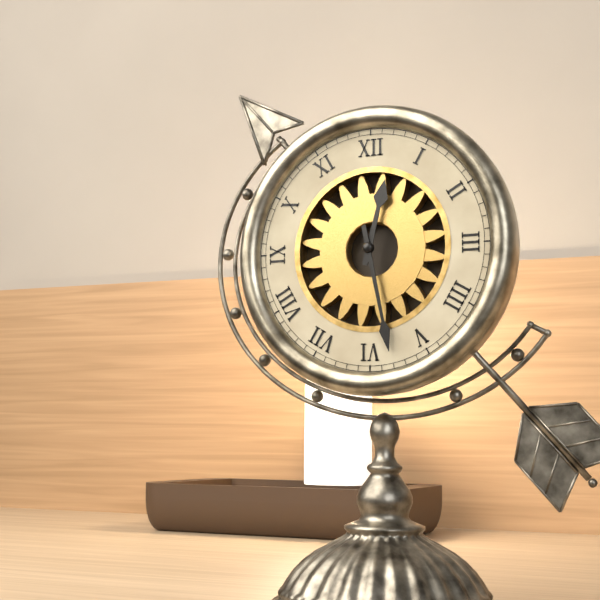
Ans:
12h28
